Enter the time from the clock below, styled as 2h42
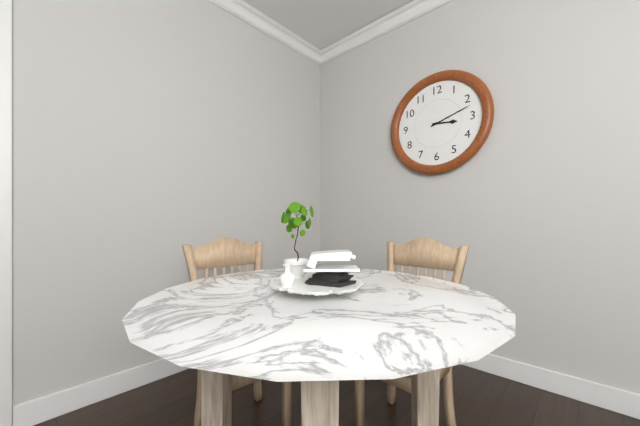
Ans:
3h12
